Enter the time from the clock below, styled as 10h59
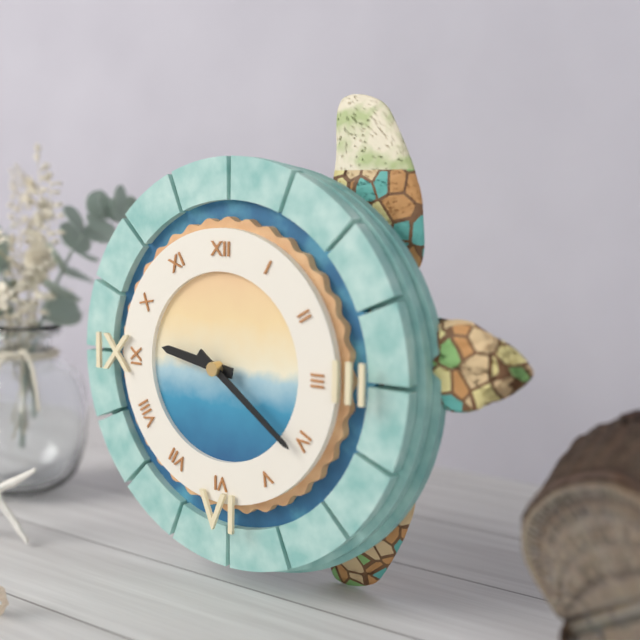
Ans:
9h21
